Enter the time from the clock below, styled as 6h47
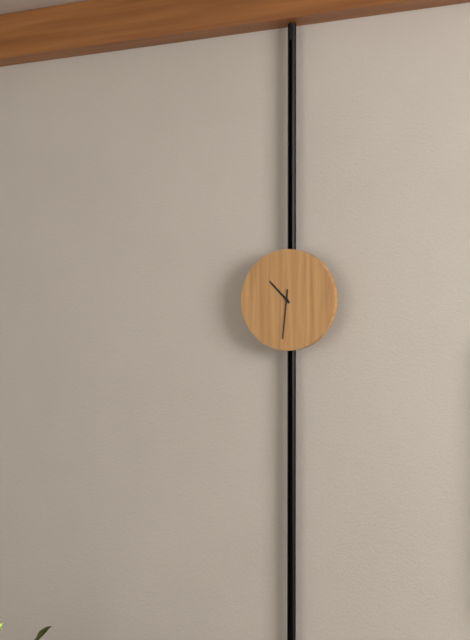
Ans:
10h31
